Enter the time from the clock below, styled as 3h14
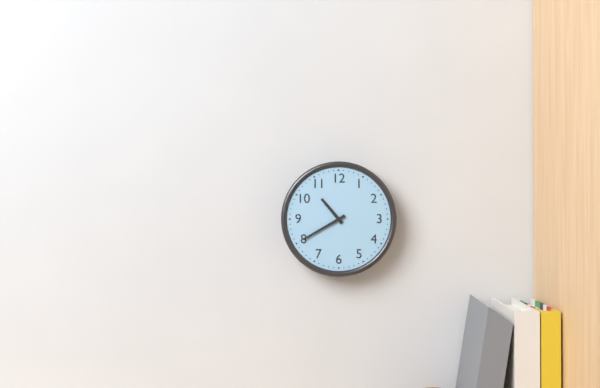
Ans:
10h40
